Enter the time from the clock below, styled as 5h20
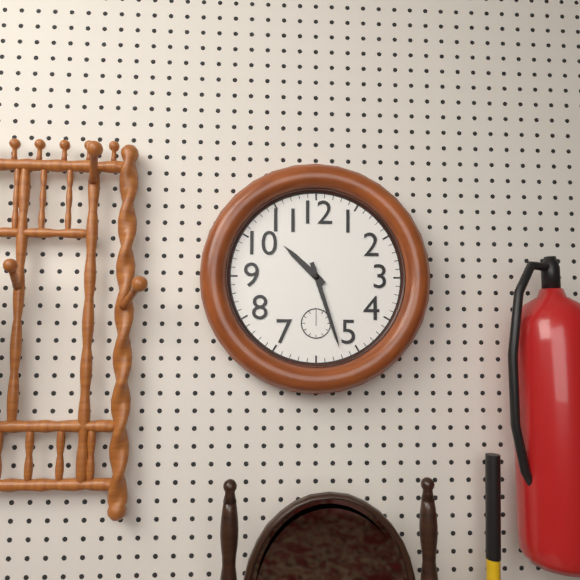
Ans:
10h27
